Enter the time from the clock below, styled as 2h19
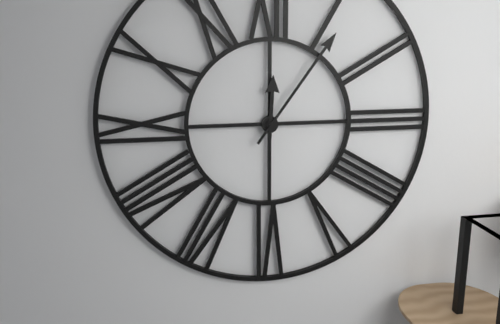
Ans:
12h06
